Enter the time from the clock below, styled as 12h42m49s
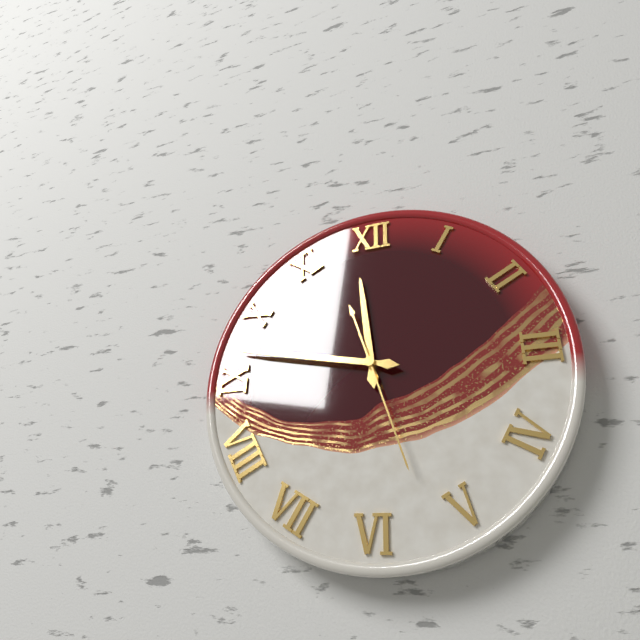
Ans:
11h47m27s
